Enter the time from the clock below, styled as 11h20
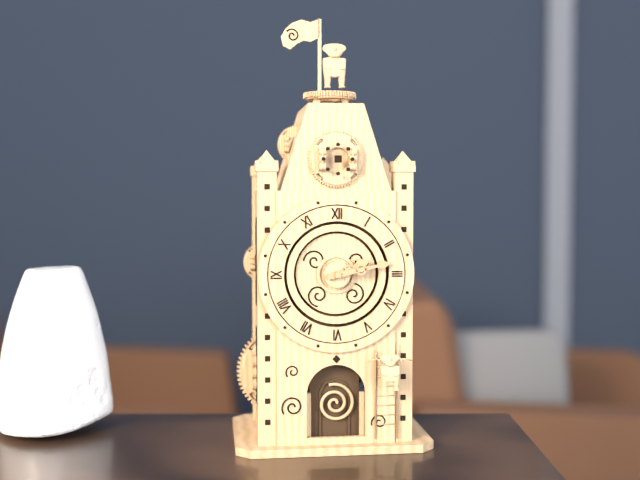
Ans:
2h13
